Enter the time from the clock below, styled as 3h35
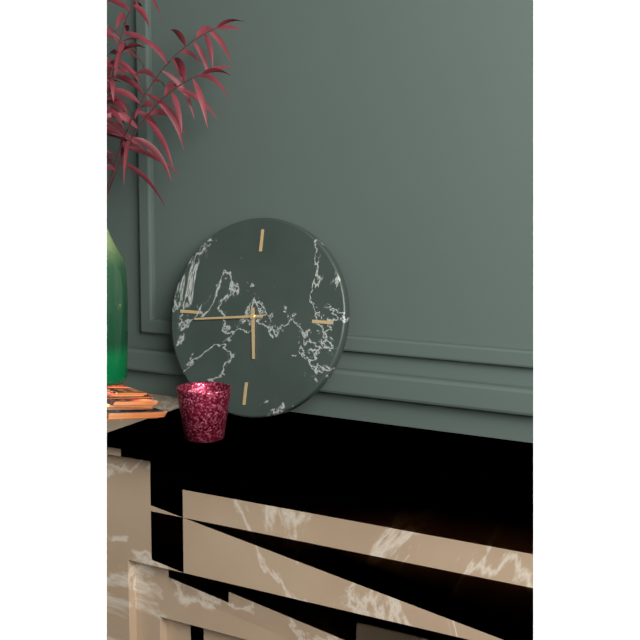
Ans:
5h44
